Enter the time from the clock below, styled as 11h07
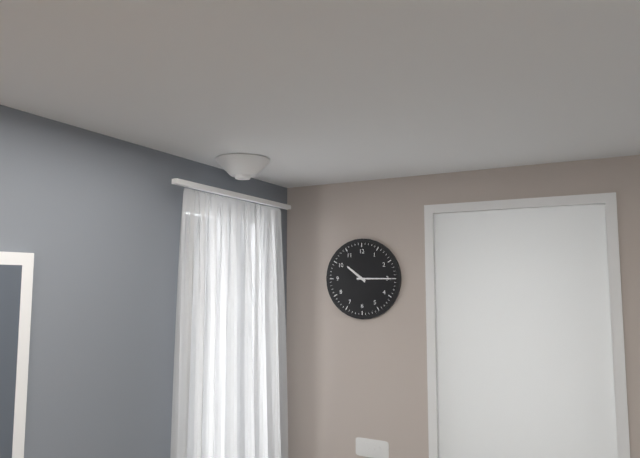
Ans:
10h15
